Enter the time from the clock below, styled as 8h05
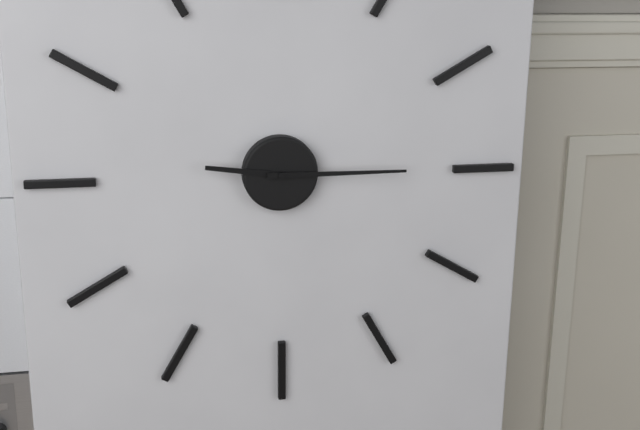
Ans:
9h15
